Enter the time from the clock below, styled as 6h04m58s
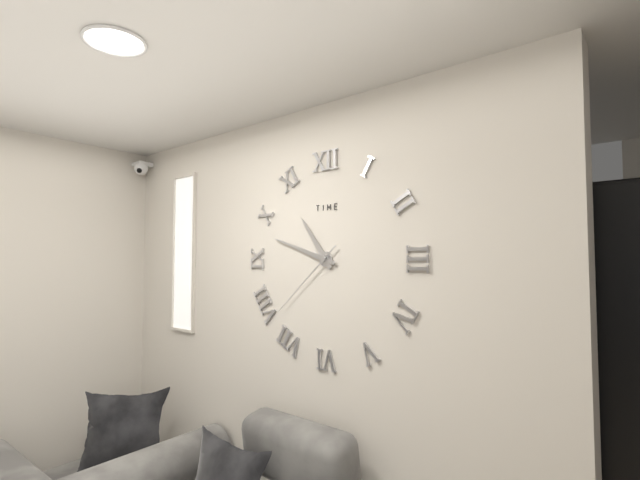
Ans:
10h48m38s
